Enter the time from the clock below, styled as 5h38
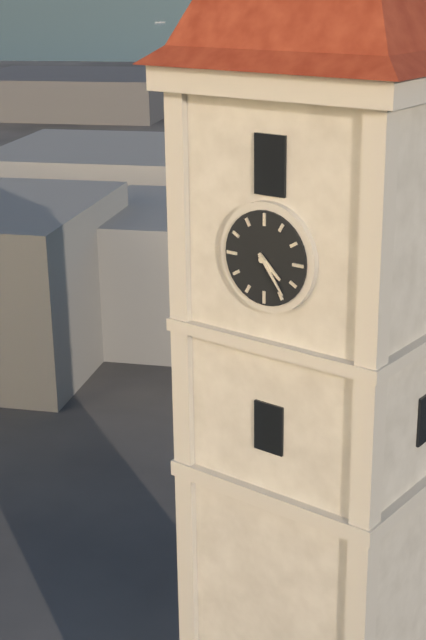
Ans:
4h24
